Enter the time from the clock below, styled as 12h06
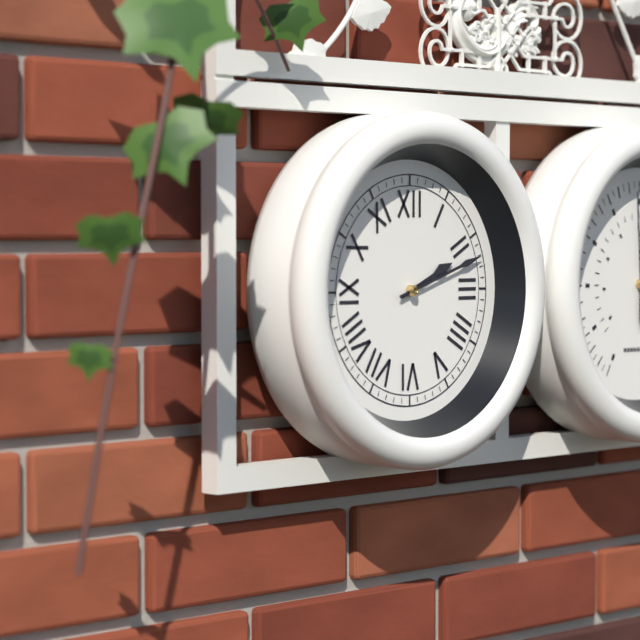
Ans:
2h12
